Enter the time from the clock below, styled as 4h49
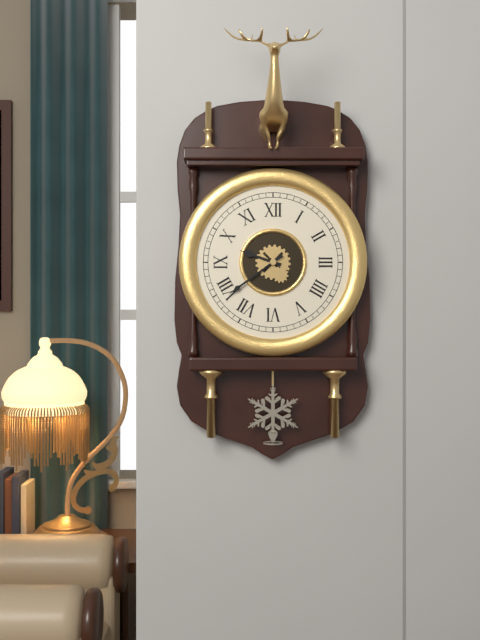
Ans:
9h39
